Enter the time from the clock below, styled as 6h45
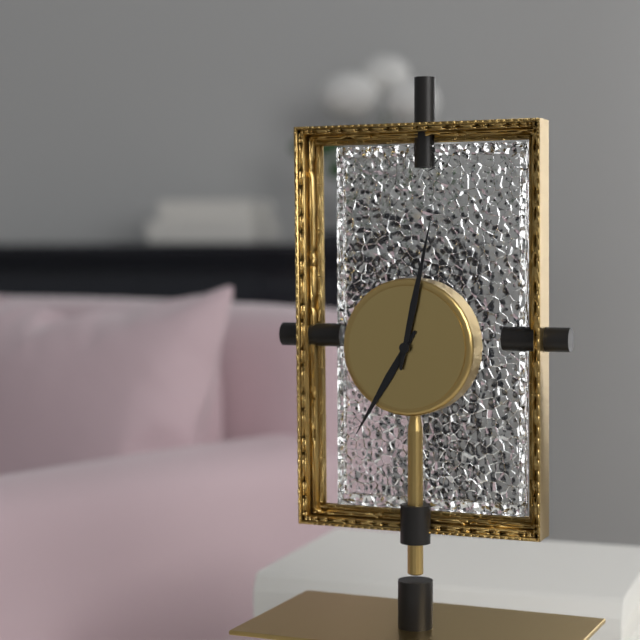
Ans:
7h02
